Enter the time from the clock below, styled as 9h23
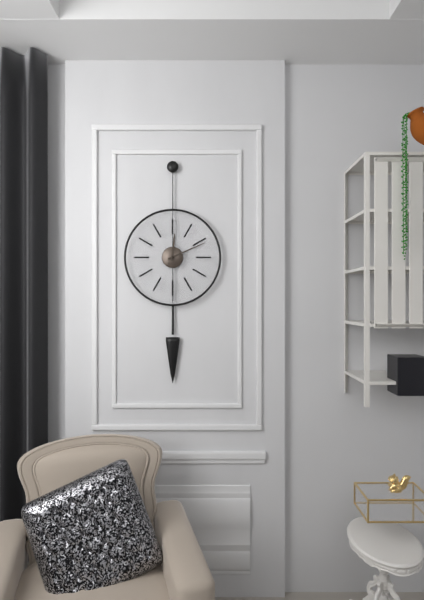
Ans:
12h11
